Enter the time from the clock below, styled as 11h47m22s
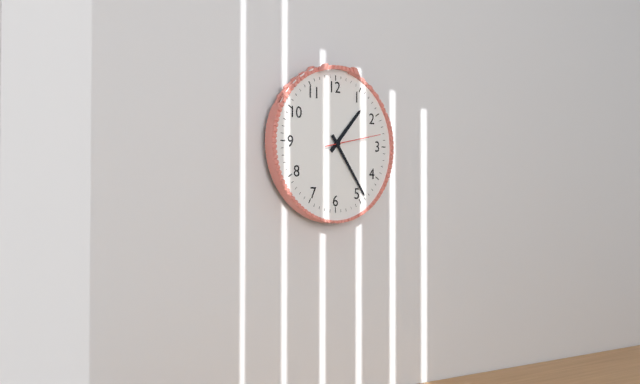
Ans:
1h24m13s
